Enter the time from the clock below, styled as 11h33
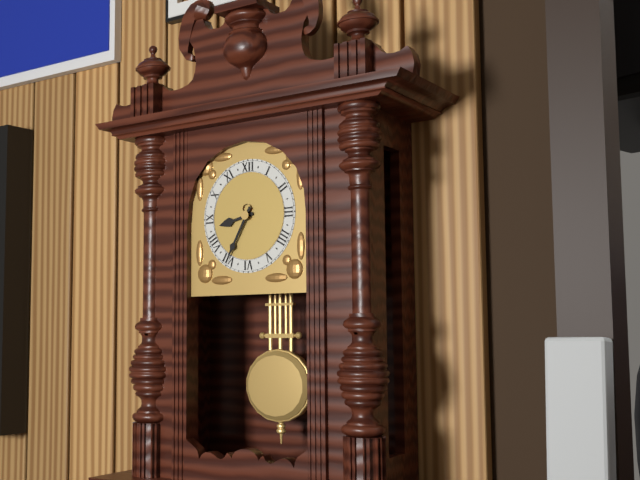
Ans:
8h35
